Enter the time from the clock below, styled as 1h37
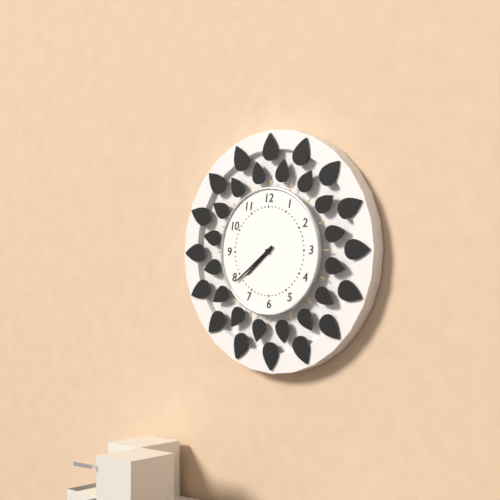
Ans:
7h39
